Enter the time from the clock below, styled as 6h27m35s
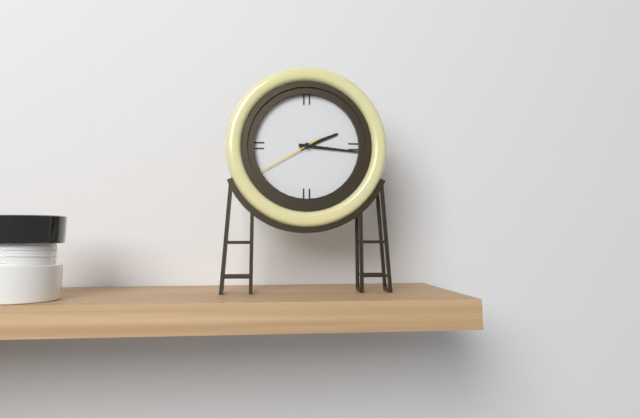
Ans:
2h16m40s
